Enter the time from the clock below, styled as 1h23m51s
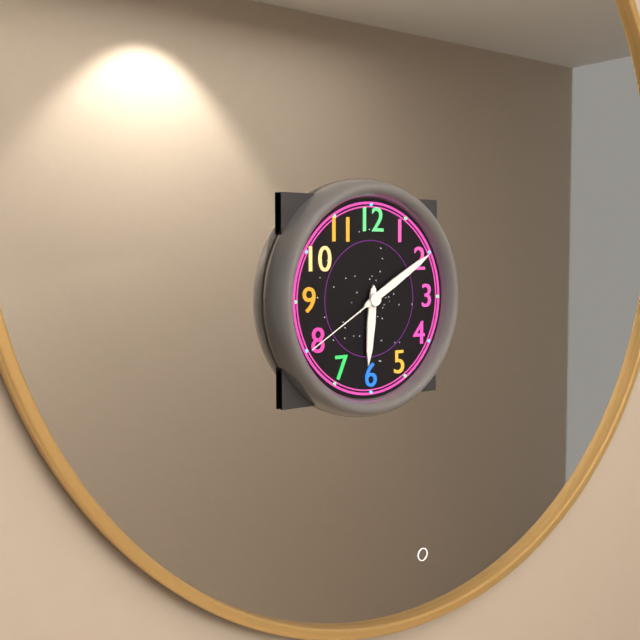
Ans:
6h10m40s
